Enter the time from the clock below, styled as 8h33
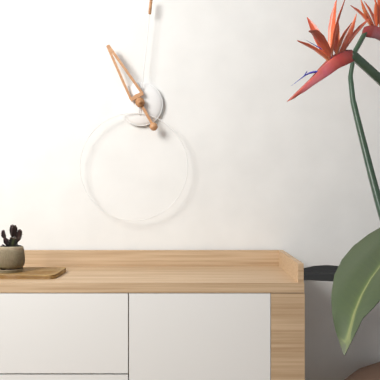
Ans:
11h01
